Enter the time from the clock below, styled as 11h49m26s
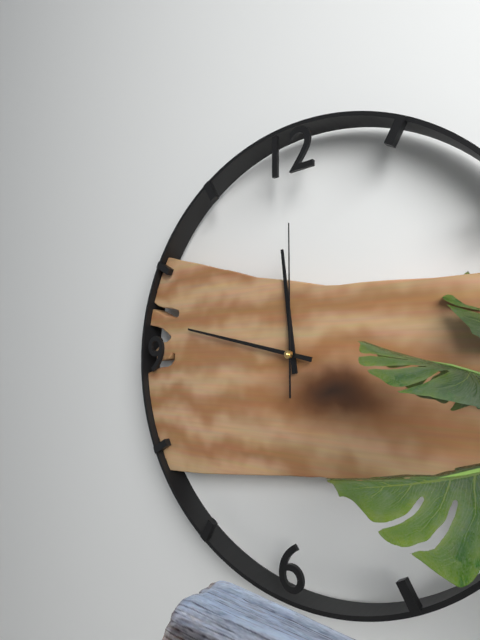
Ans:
11h47m00s
